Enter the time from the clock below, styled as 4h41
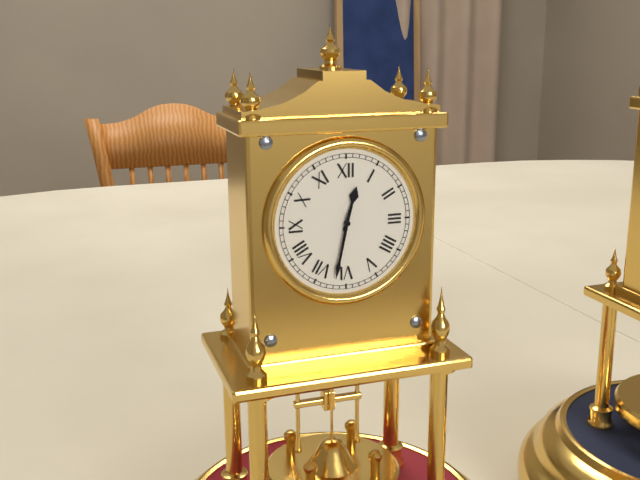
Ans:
12h32
